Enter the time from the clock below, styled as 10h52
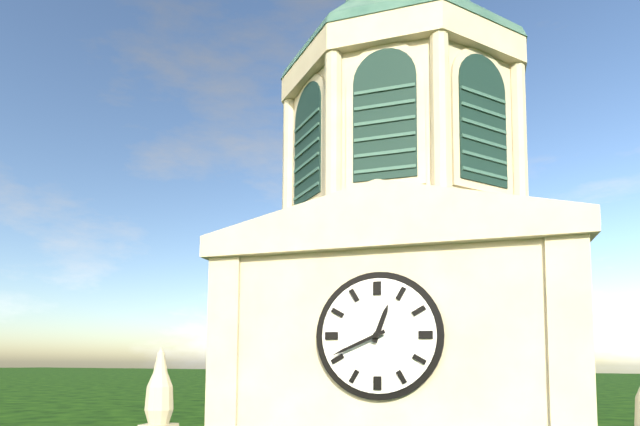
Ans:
12h41
